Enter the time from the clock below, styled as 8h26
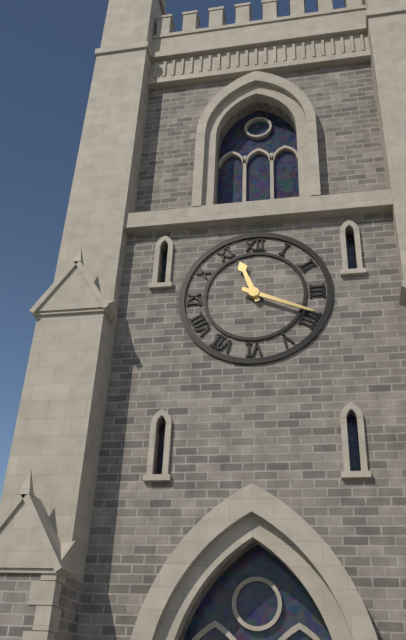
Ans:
11h19
